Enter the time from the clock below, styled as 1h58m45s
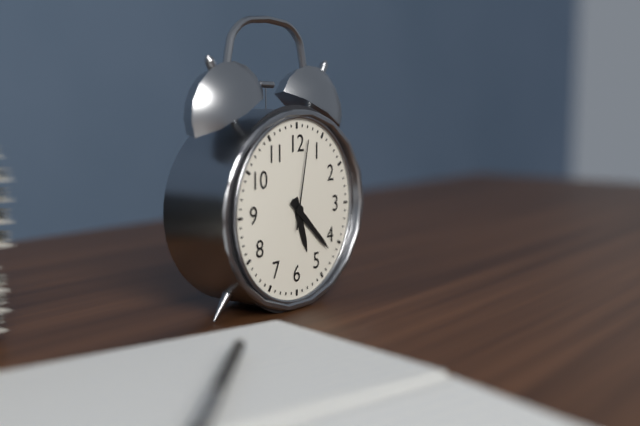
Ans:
5h22m02s
